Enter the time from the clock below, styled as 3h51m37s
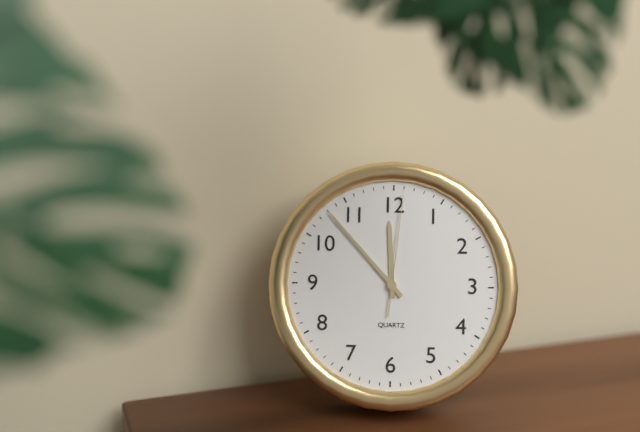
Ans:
11h53m01s
